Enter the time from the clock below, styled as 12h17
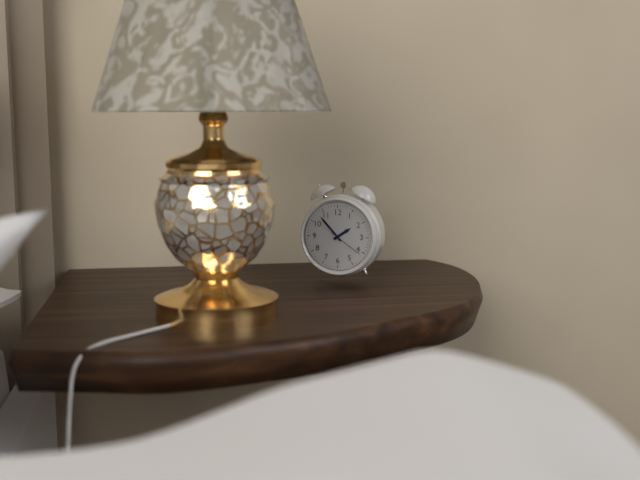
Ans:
1h53
